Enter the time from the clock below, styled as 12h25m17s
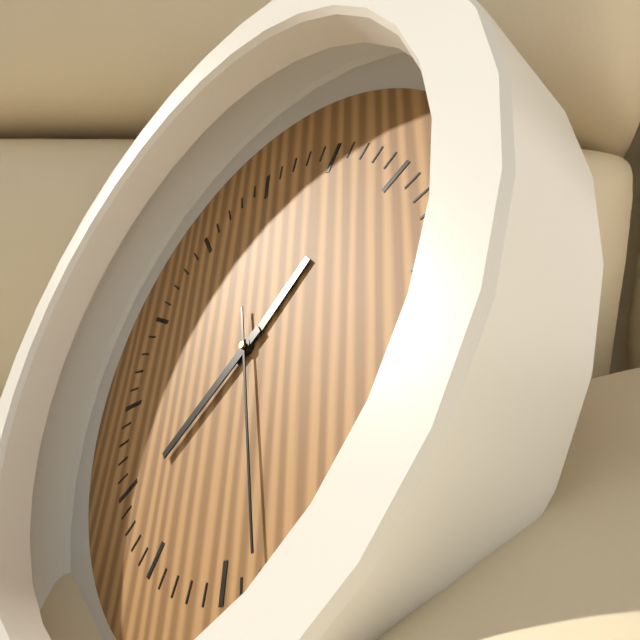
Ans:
1h39m28s
